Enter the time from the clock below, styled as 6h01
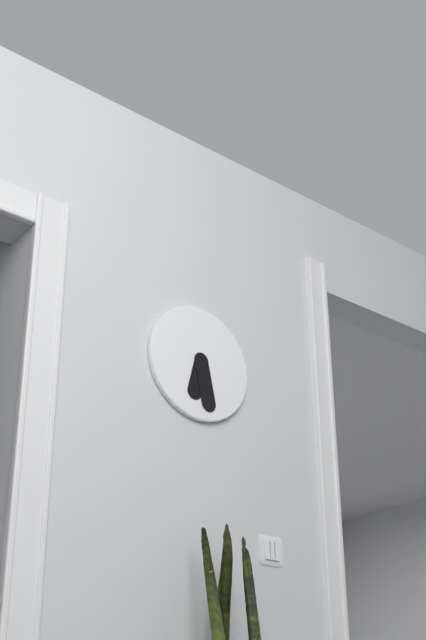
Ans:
6h28
